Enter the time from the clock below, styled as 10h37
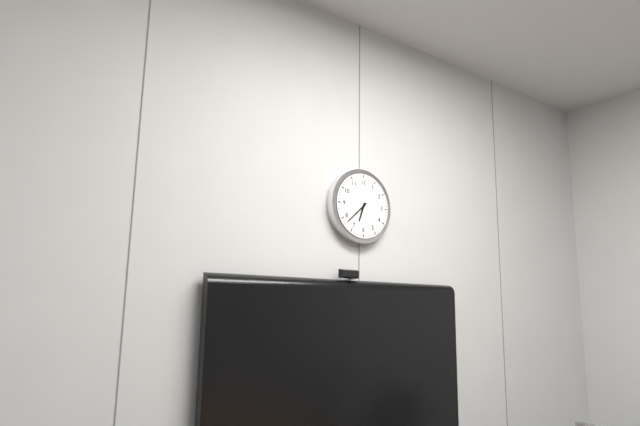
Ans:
6h38
